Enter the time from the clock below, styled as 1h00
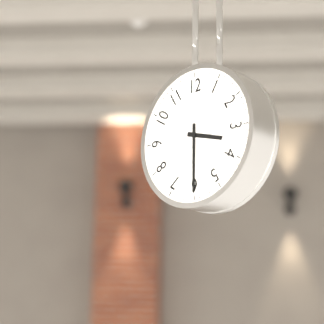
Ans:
3h30
